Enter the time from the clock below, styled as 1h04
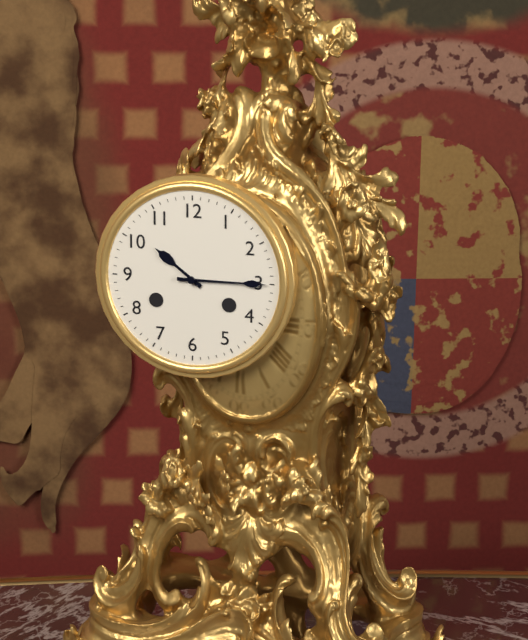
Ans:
10h15
